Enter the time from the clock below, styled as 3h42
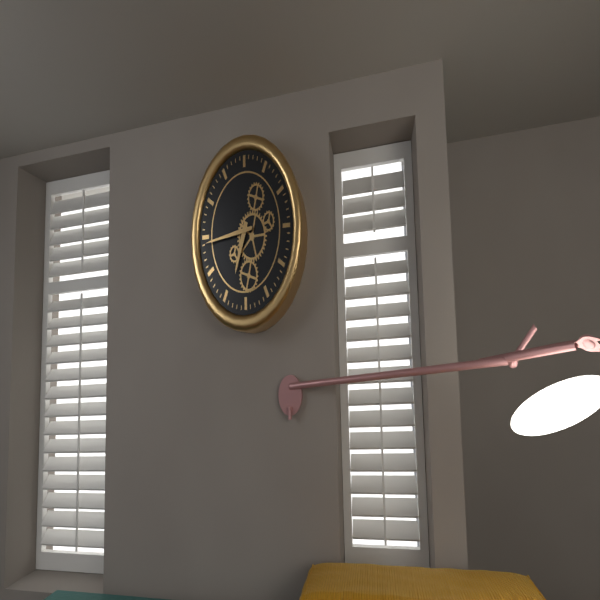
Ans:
6h44
